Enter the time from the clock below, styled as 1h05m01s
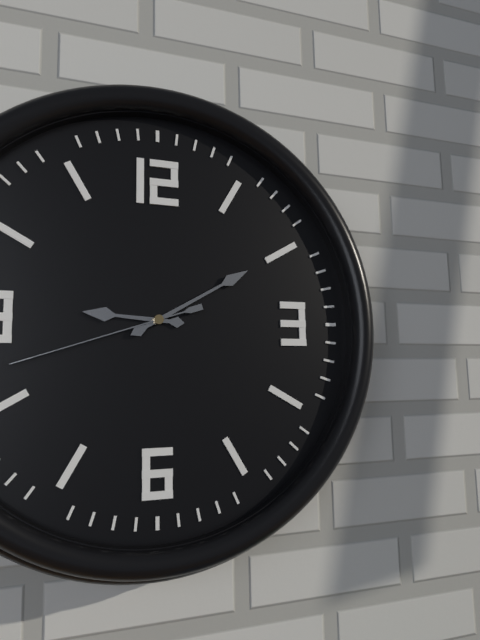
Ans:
9h10m42s
